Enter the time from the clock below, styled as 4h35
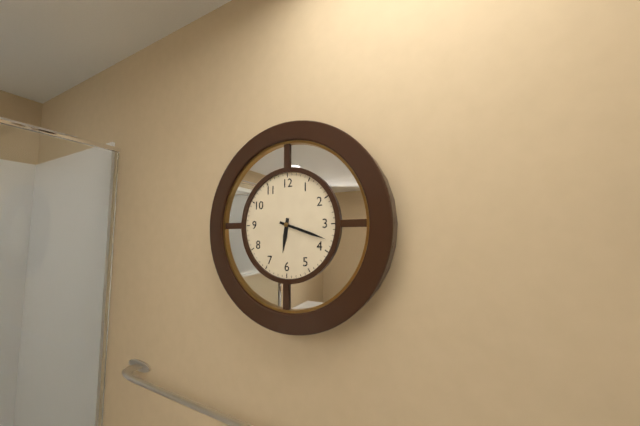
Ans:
6h18
